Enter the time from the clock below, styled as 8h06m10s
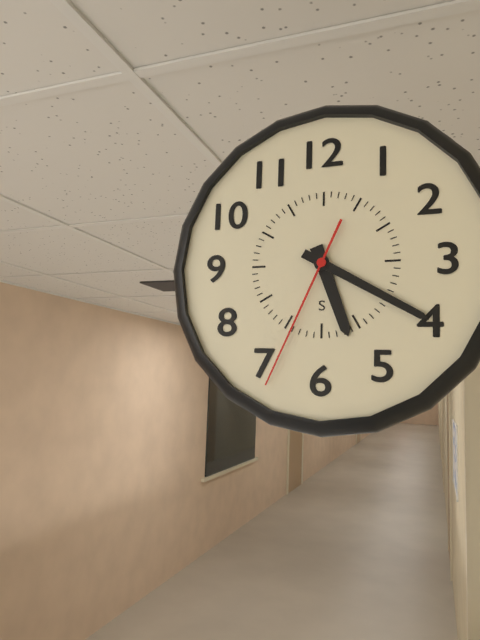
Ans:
5h20m34s
